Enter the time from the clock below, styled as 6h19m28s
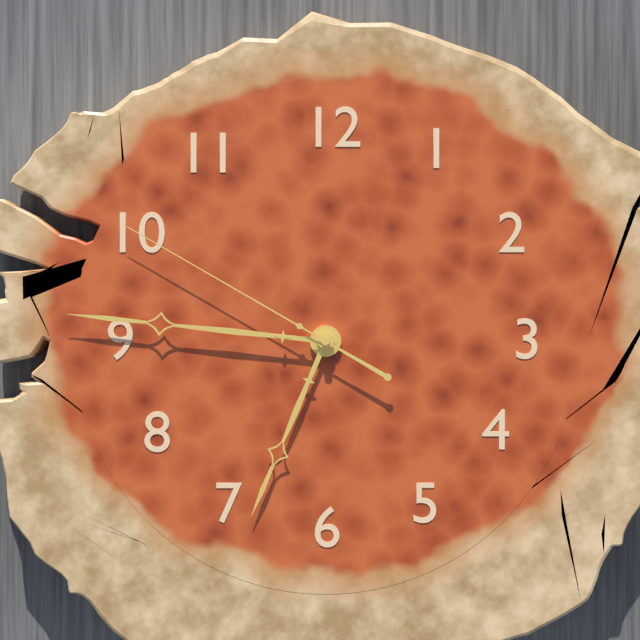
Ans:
6h46m50s
